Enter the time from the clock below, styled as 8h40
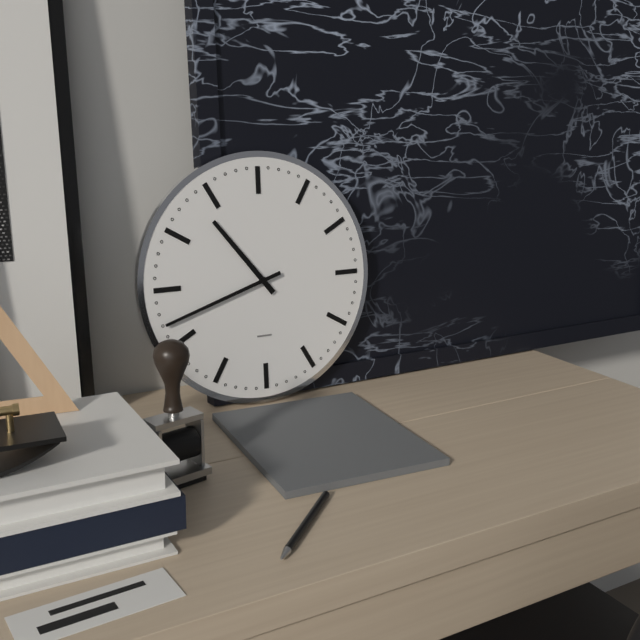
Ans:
10h42
